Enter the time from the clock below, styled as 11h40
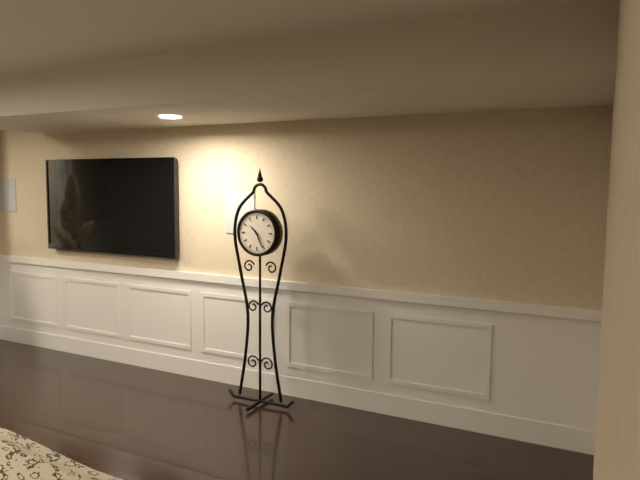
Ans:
10h26
